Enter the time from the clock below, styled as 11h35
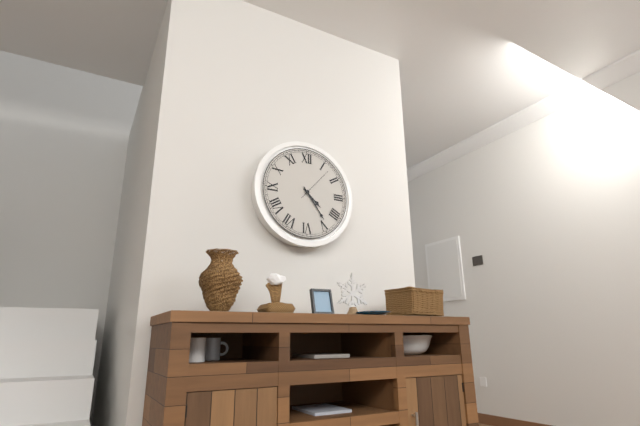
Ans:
4h24
